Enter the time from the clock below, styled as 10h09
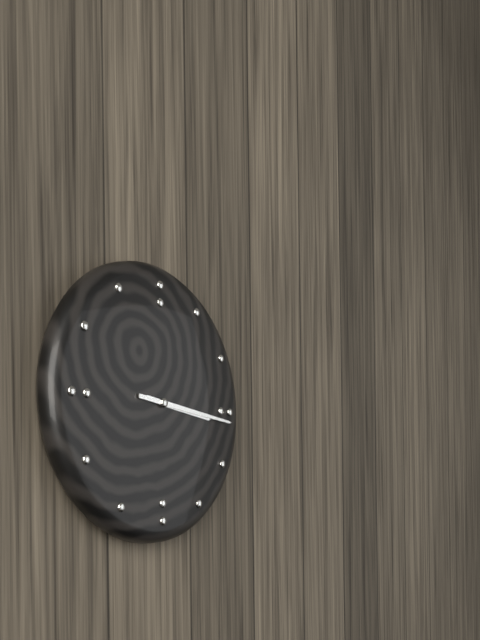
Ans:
3h16
